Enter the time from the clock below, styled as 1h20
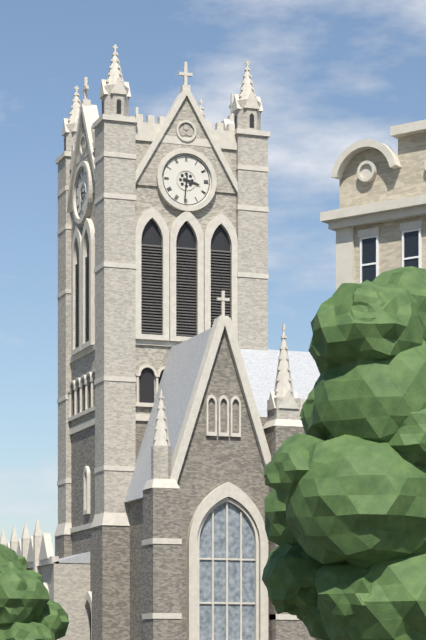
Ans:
3h31
